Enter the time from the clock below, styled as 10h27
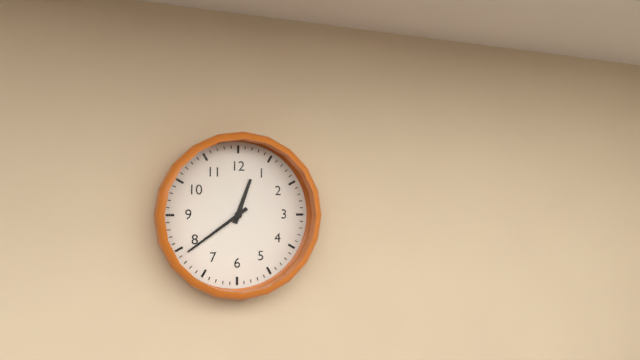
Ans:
12h39
